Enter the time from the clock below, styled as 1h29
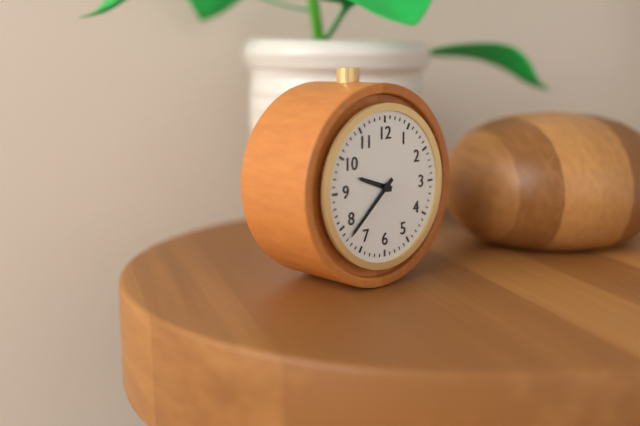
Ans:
9h38
